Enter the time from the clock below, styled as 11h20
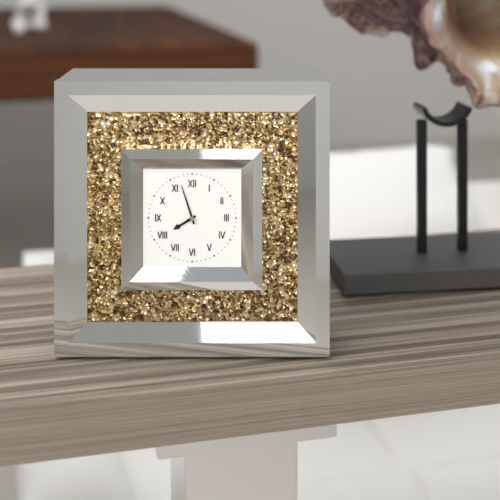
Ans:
7h57
